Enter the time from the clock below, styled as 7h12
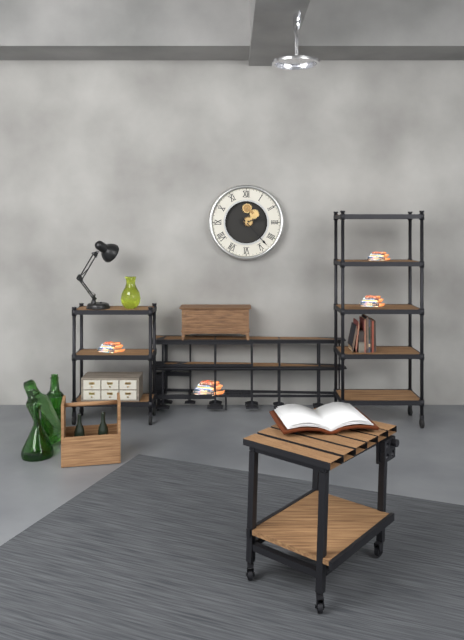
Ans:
2h23
